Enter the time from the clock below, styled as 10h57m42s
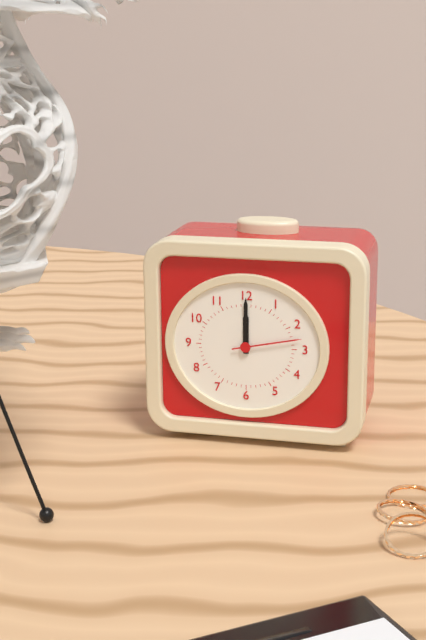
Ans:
12h00m13s
